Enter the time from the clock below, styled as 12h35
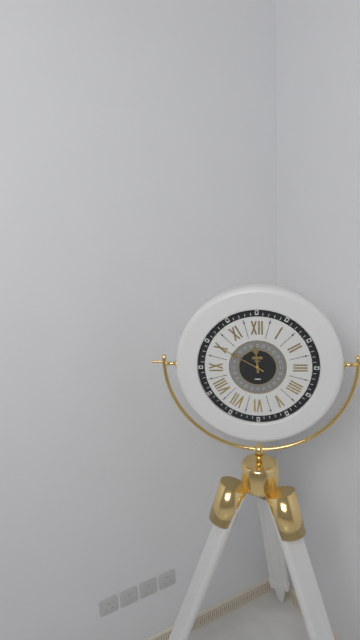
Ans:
11h50
